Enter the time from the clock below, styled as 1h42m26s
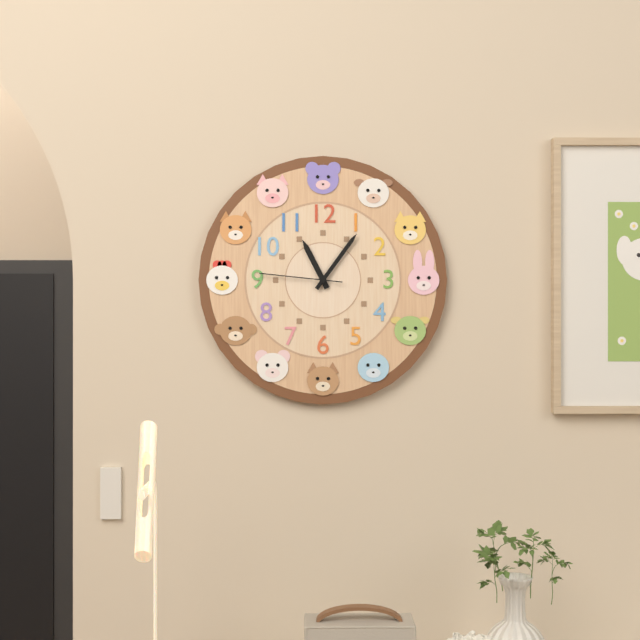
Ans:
11h06m46s
